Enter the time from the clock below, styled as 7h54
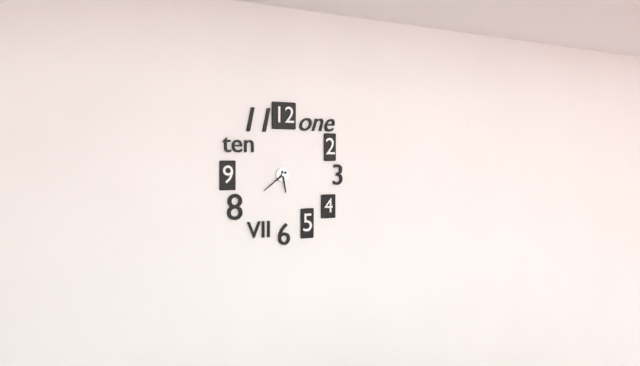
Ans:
5h39
